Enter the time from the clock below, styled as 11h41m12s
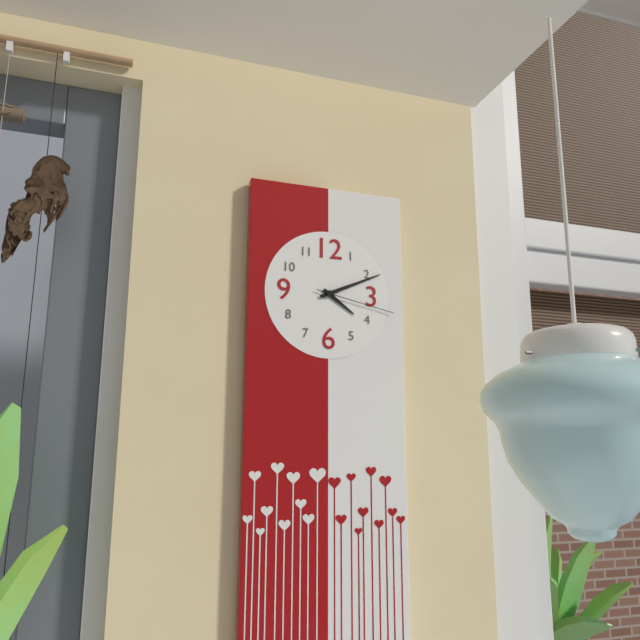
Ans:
4h11m17s
